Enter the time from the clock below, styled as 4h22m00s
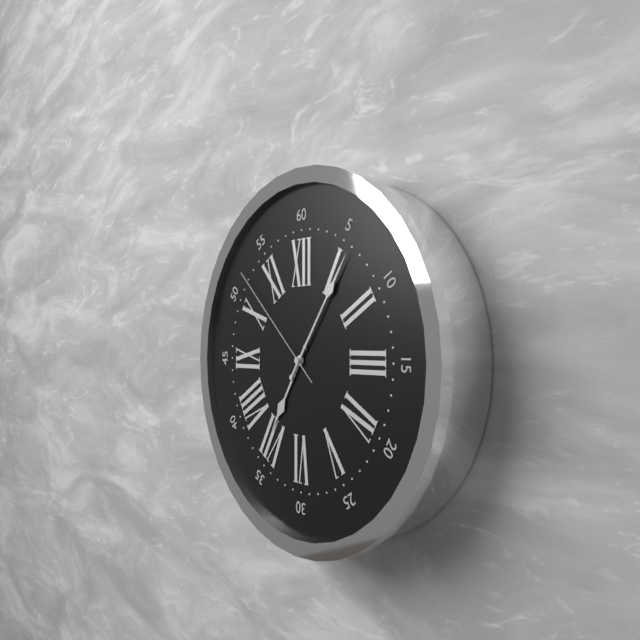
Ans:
7h06m52s
